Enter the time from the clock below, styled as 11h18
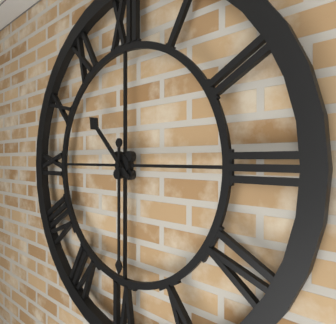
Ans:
10h30
